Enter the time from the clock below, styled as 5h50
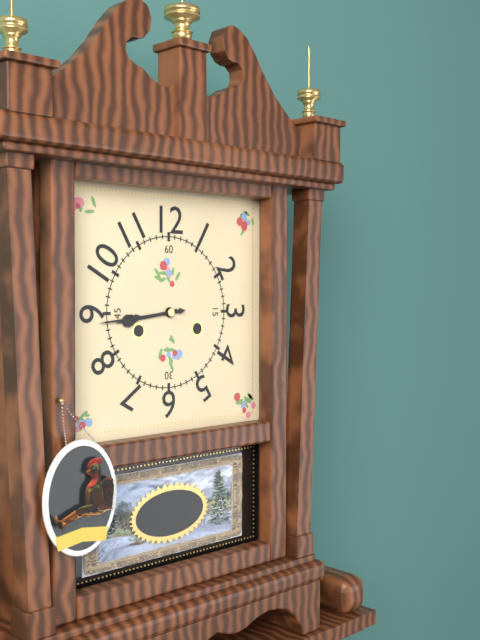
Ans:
8h44
